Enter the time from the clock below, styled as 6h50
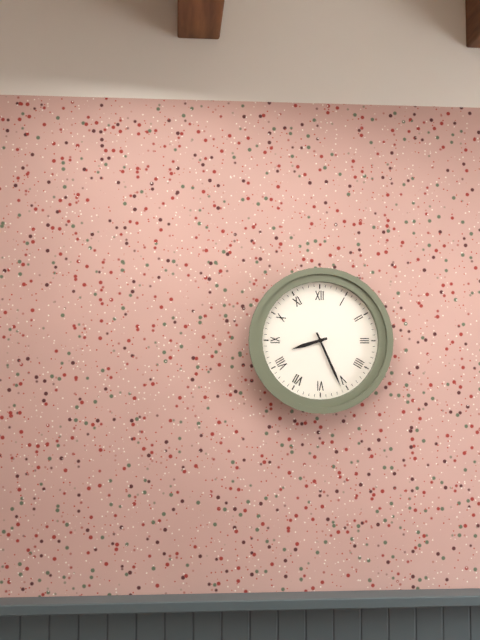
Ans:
8h26
